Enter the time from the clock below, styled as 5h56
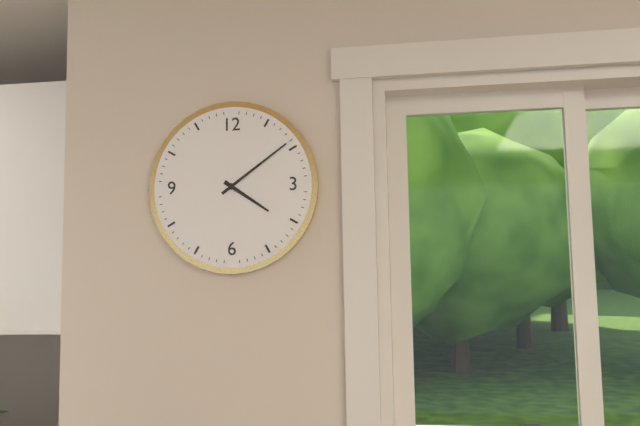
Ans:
4h09
